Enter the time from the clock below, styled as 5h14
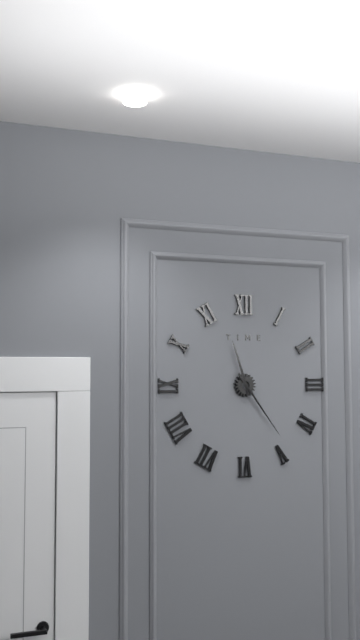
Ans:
11h24
